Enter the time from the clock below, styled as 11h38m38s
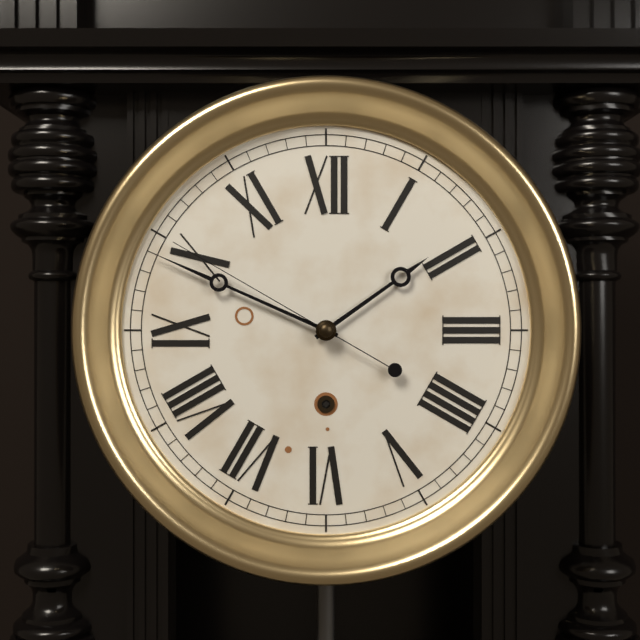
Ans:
1h49m50s
